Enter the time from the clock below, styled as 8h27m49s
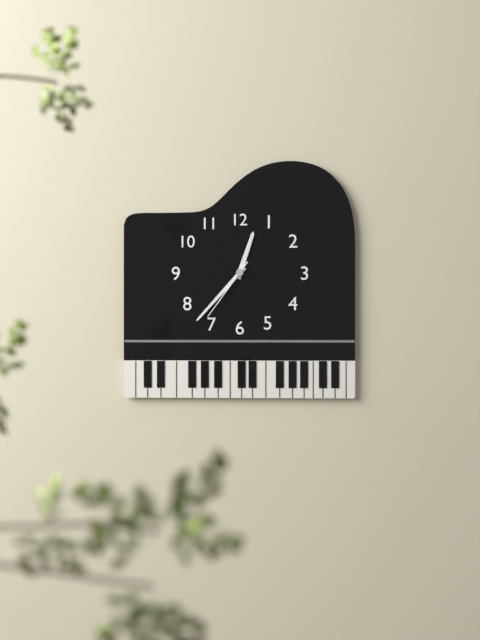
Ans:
12h37m36s
